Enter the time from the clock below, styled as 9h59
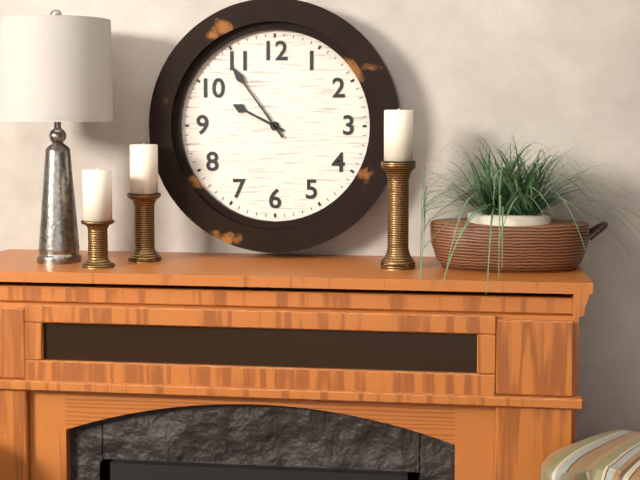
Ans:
9h54
